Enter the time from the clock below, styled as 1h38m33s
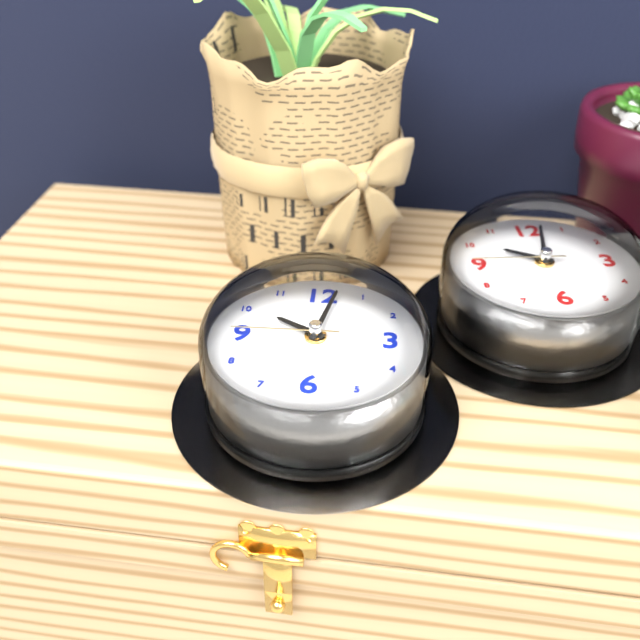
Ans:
10h02m45s
